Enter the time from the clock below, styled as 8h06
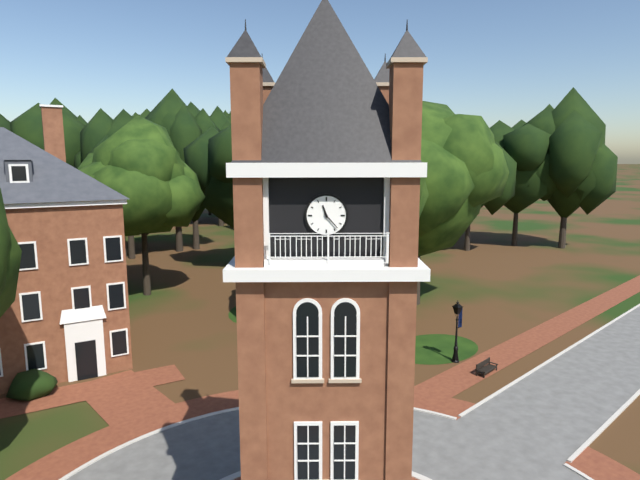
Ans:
11h23
